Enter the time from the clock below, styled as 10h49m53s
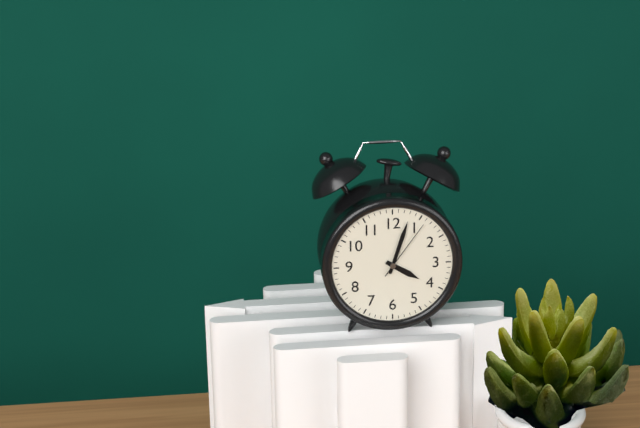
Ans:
4h03m06s
